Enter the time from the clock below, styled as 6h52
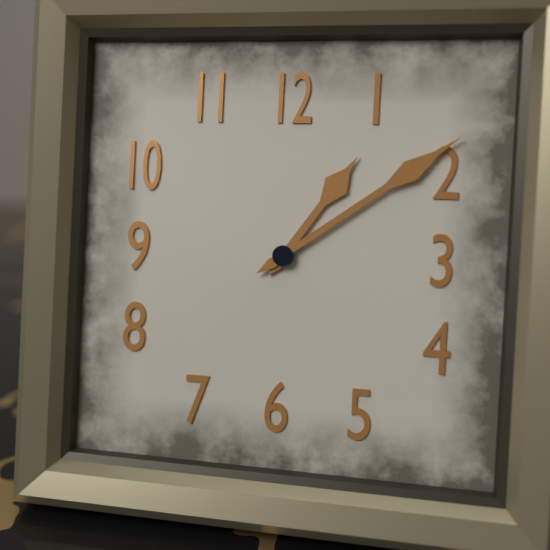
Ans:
1h09
